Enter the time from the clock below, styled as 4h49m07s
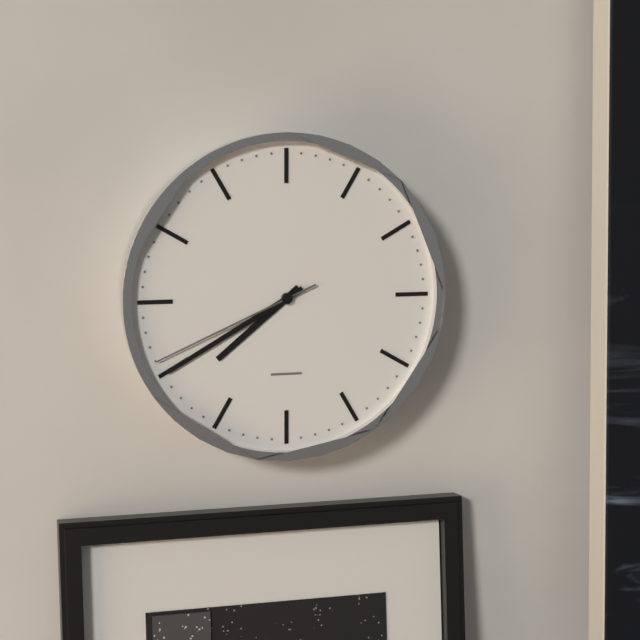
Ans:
7h40m41s
